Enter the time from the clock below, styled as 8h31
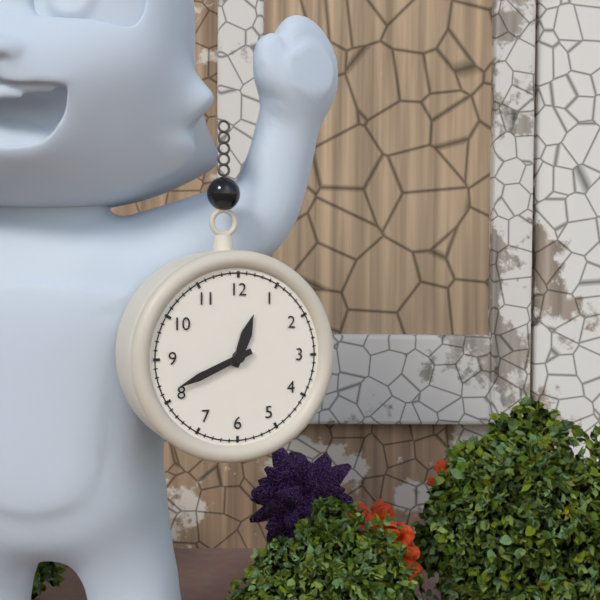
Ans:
12h41
